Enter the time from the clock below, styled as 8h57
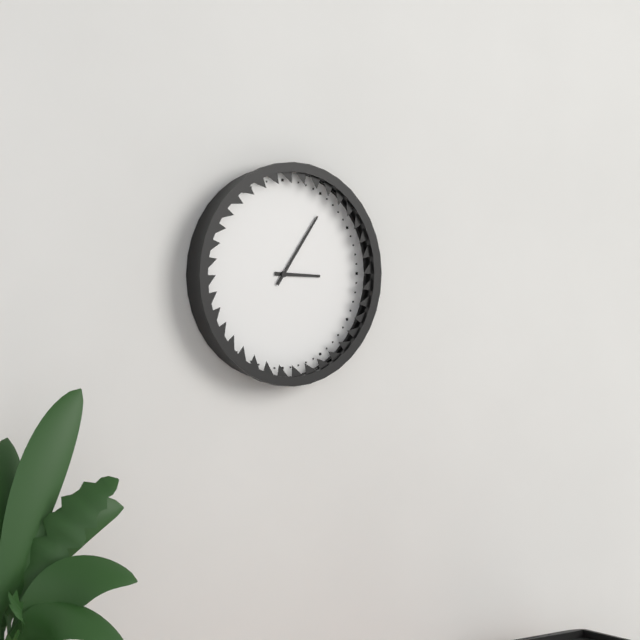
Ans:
3h06
